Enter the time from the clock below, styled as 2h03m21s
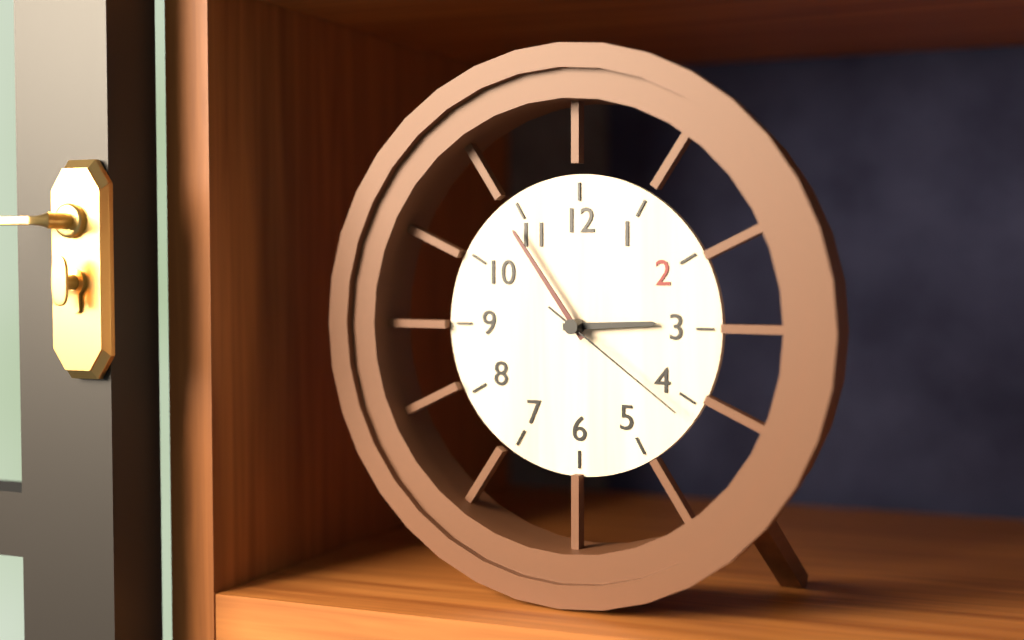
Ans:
2h54m21s
